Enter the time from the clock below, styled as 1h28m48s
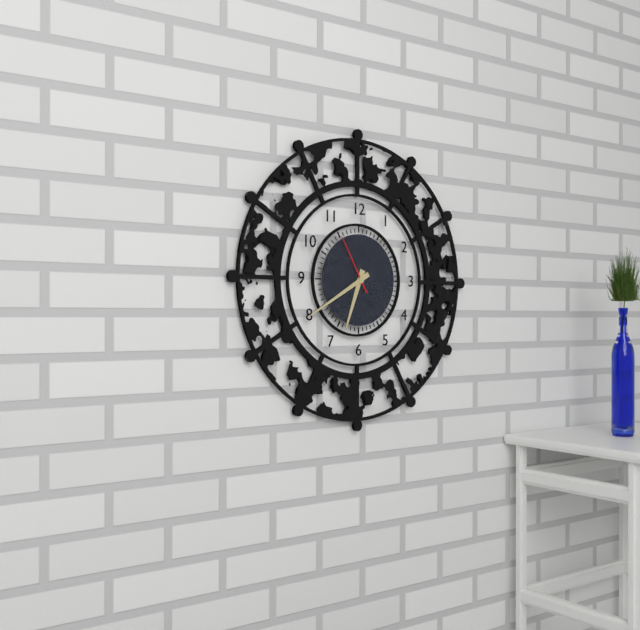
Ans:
6h40m55s
